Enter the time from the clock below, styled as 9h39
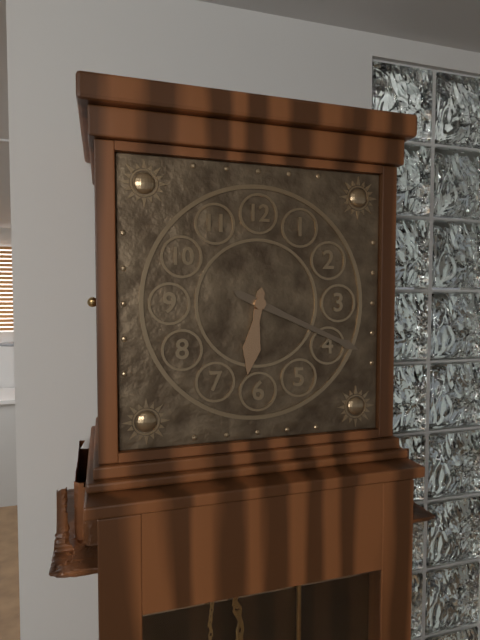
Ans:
6h19
